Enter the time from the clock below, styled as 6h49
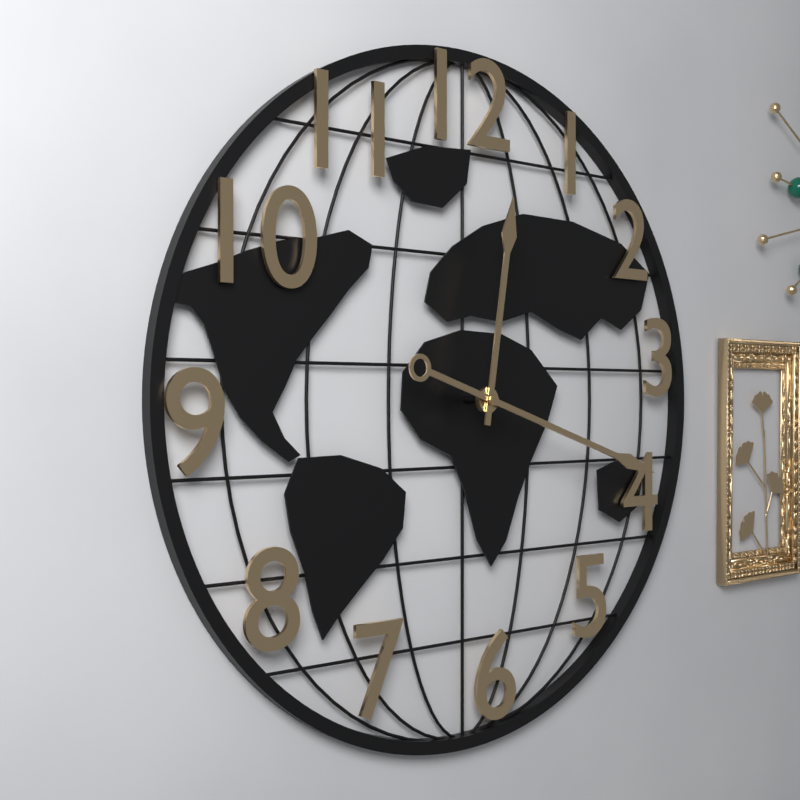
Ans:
12h18
